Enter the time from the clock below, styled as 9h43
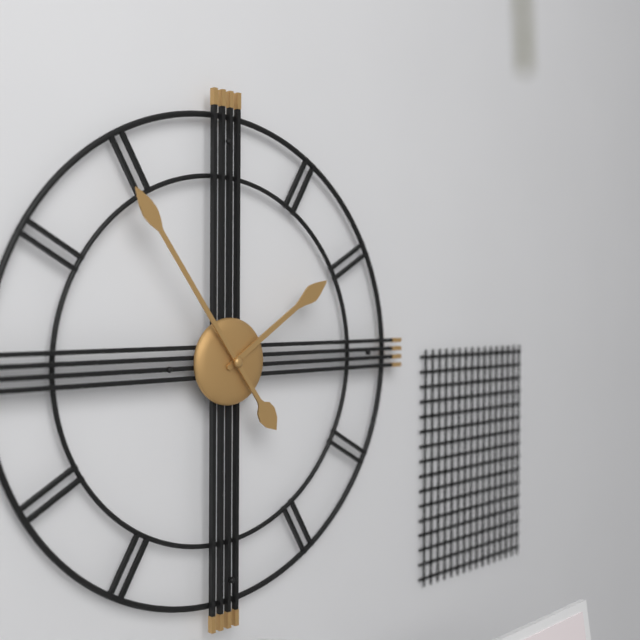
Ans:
1h54
